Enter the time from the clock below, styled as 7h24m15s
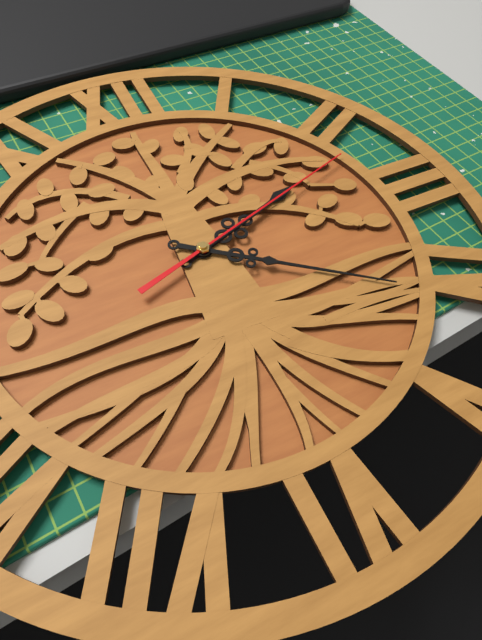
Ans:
2h21m12s
